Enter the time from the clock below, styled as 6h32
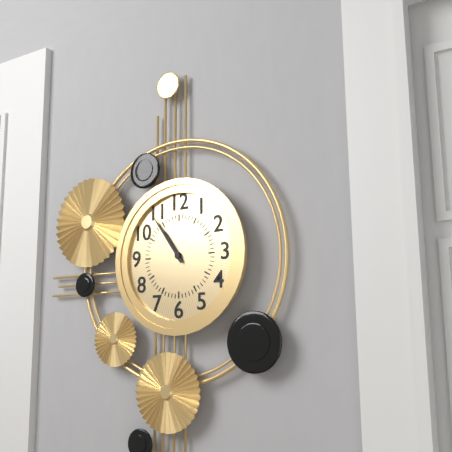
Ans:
10h54
